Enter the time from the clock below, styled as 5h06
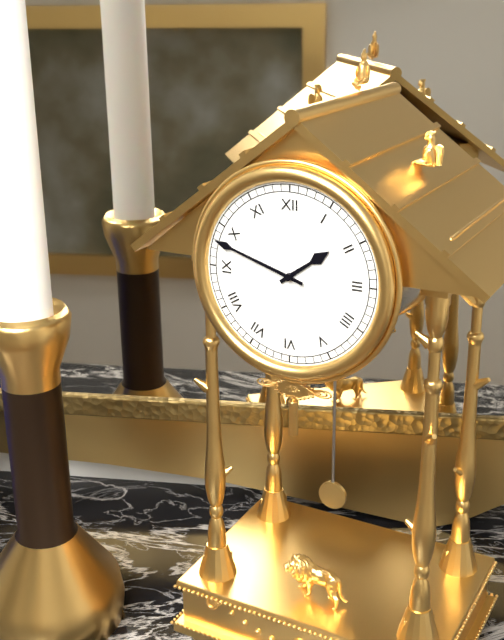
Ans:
1h48
